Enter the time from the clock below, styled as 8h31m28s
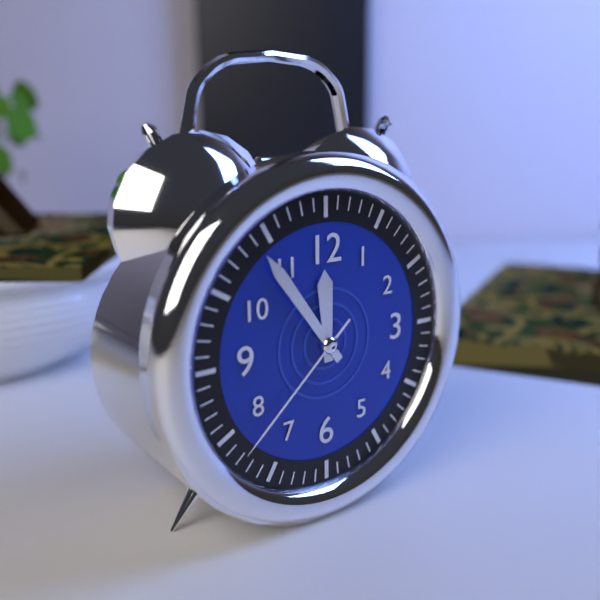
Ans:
11h54m38s
